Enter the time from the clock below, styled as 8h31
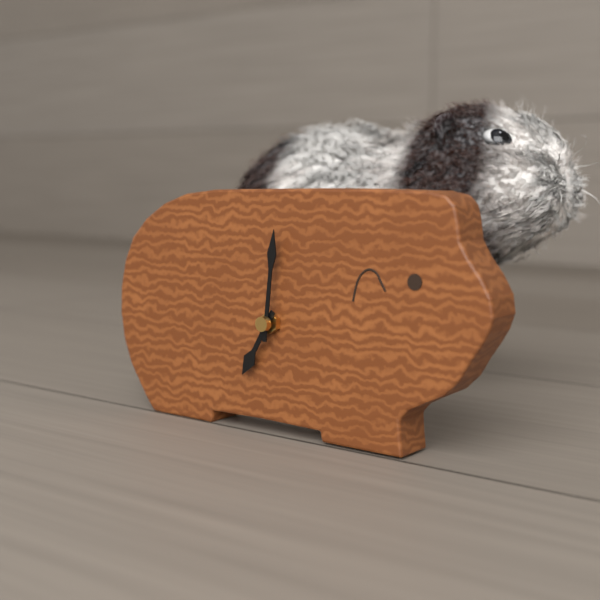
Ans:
7h01
